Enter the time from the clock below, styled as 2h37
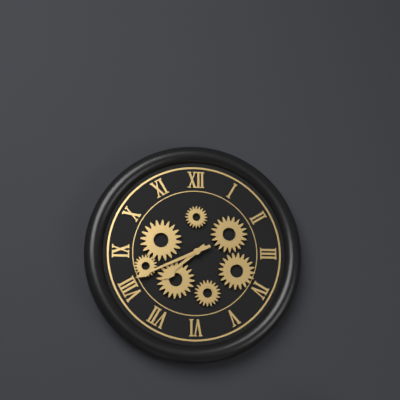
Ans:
7h41
